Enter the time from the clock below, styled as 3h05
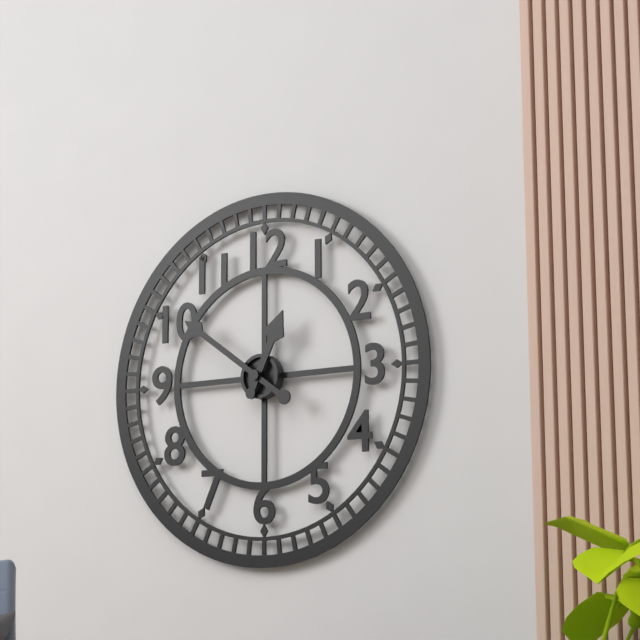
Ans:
12h51
